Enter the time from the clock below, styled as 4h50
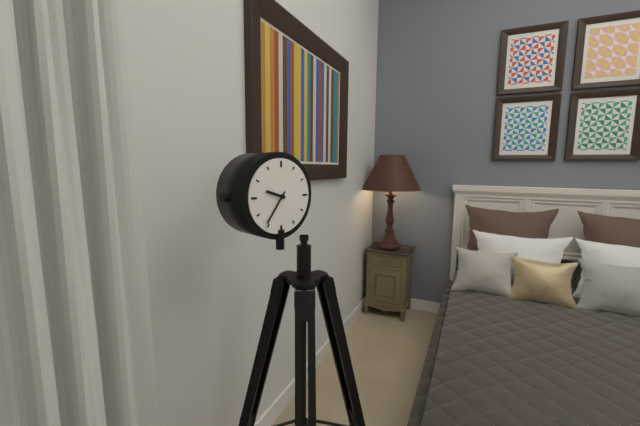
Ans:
9h36
